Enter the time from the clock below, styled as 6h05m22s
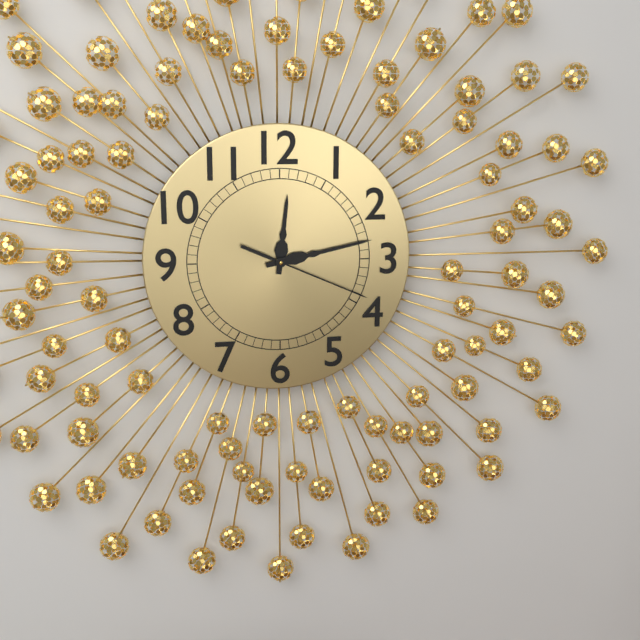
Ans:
12h13m19s
